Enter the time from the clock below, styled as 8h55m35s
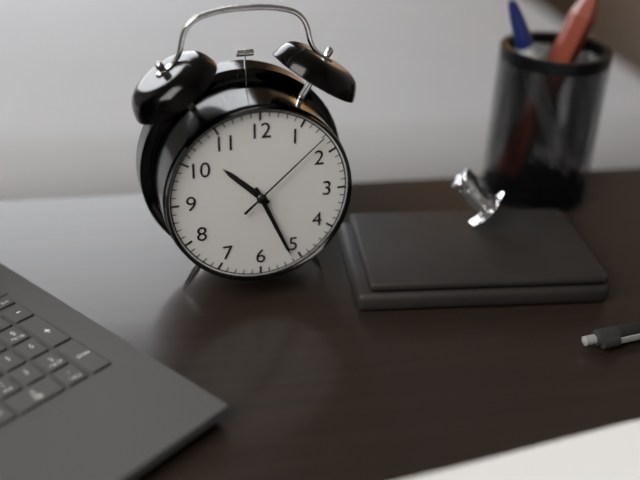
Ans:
10h26m08s
